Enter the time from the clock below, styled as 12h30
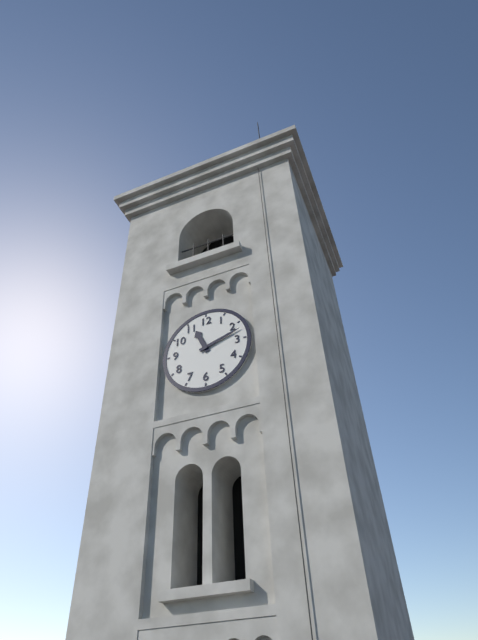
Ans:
11h12
